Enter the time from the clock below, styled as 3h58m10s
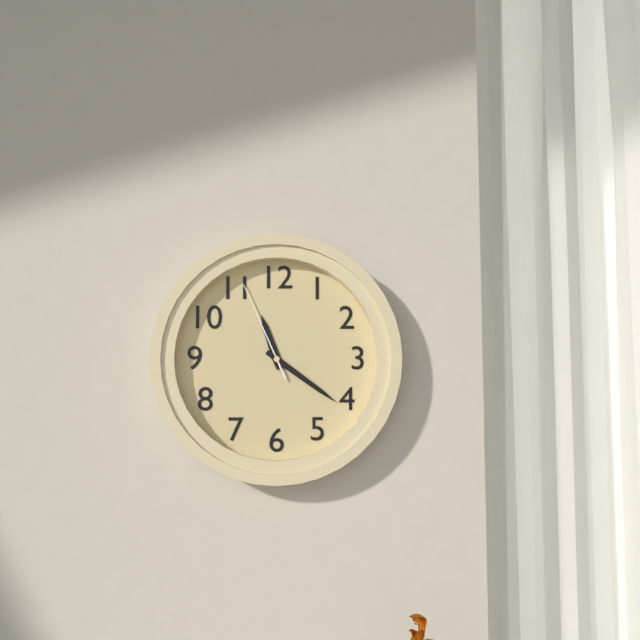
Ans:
11h21m56s
